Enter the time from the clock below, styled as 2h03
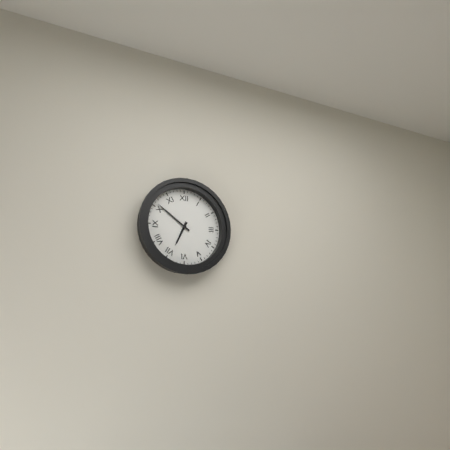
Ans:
6h51
